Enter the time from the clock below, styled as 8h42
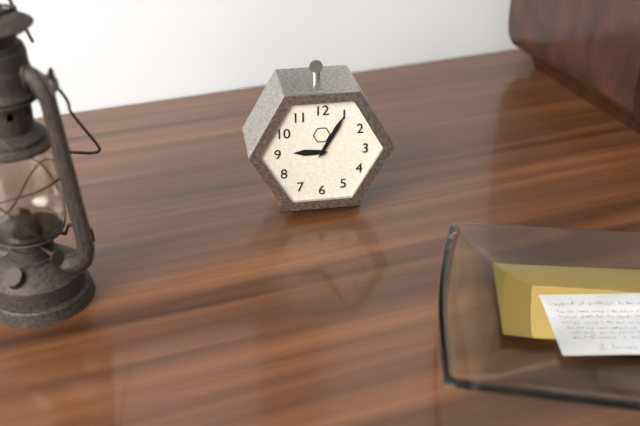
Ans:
9h05
